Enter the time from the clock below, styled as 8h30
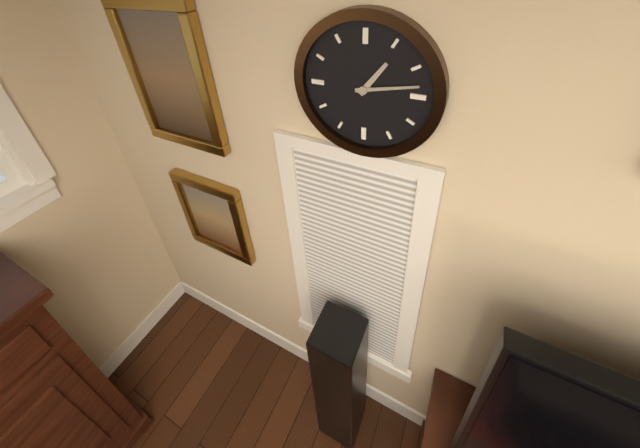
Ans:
1h13
